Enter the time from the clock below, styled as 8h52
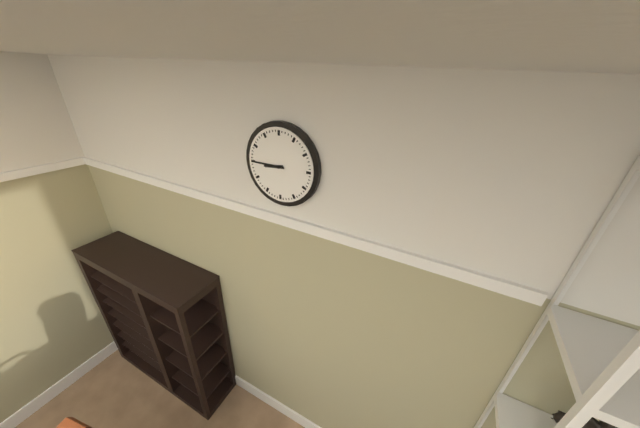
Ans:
8h45
